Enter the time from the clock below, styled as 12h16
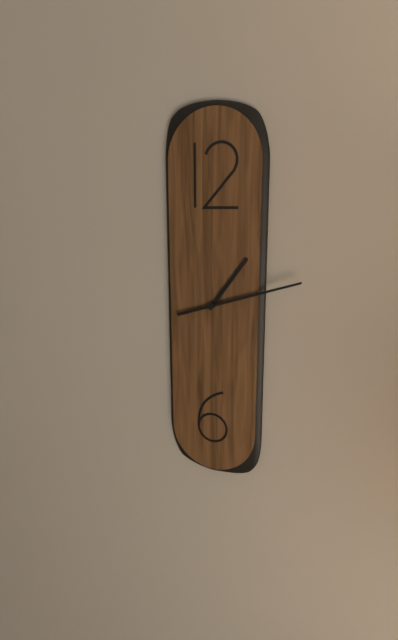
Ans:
1h12
